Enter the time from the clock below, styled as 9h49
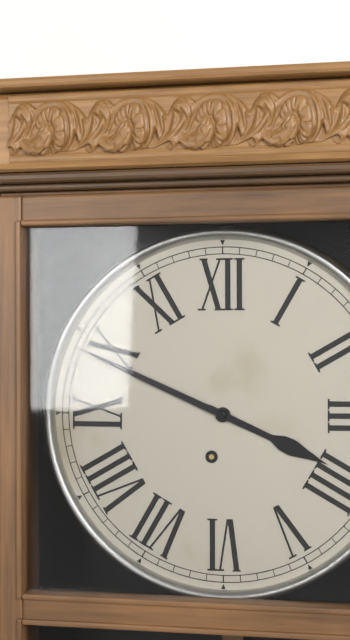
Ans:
3h49
